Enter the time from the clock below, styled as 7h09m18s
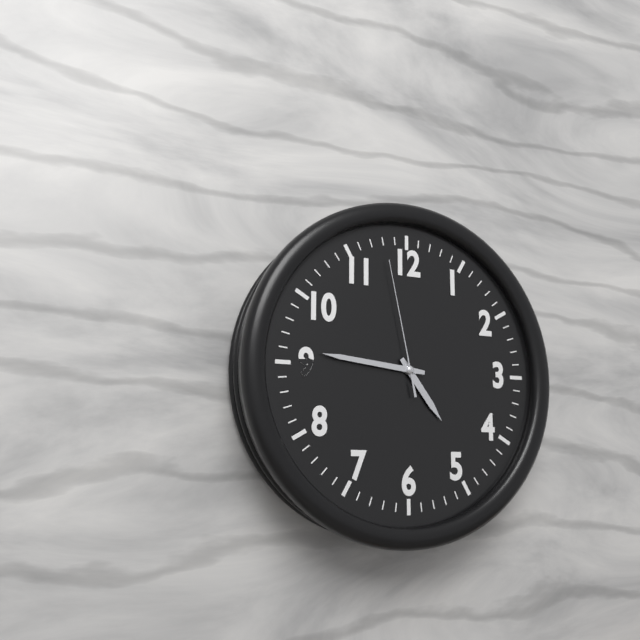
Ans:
4h46m58s
